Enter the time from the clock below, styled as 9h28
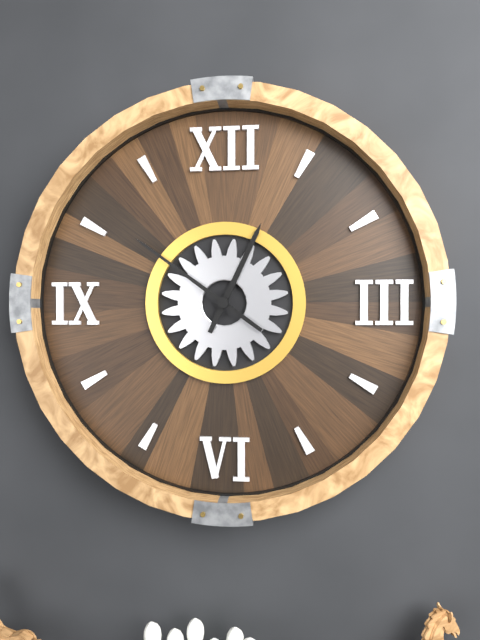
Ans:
12h51
